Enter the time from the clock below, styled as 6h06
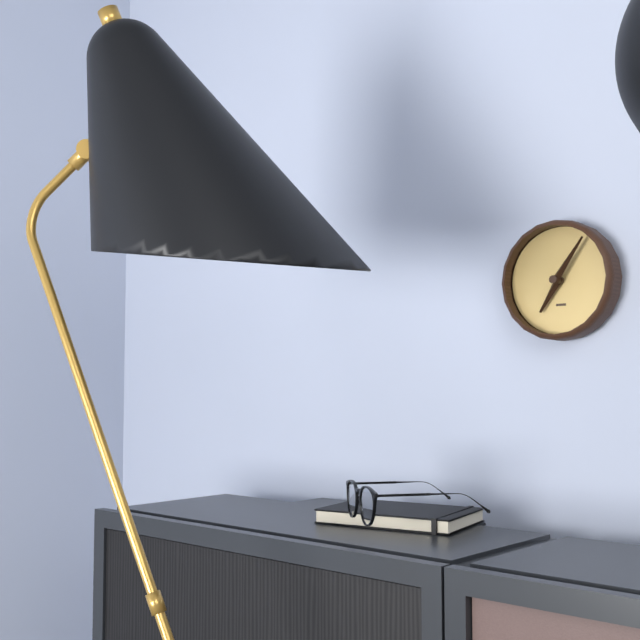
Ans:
7h06
